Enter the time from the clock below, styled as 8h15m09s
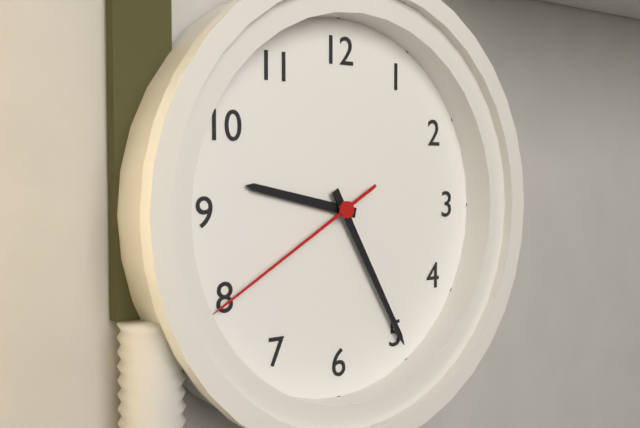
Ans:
9h25m40s
